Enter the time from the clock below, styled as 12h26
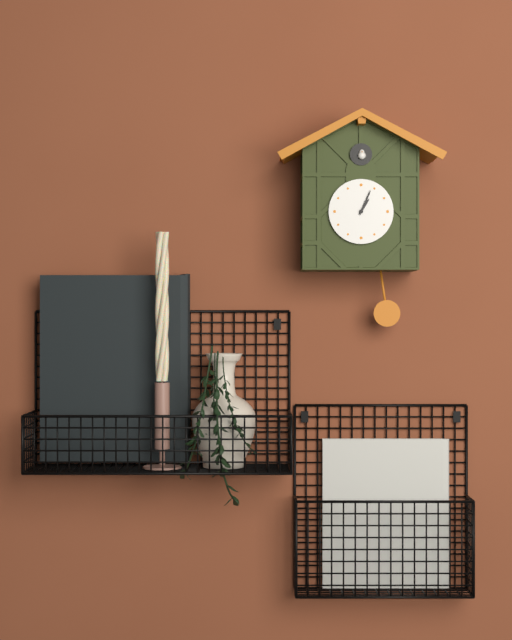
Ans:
1h04
